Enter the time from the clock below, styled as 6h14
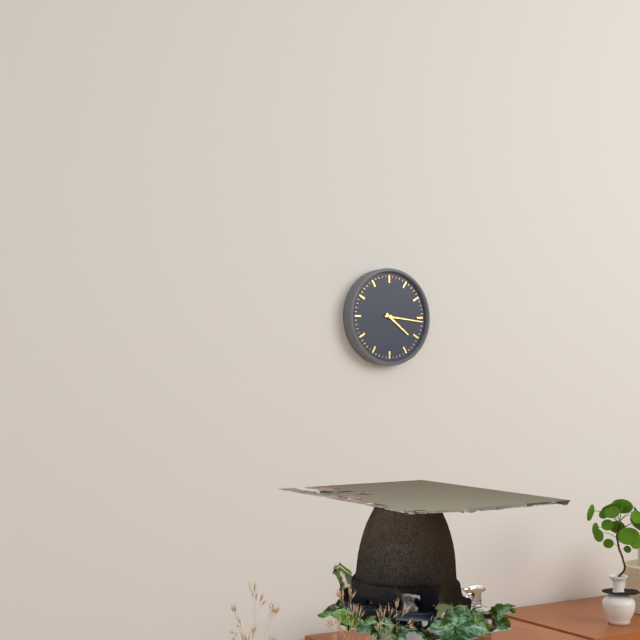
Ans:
4h16
